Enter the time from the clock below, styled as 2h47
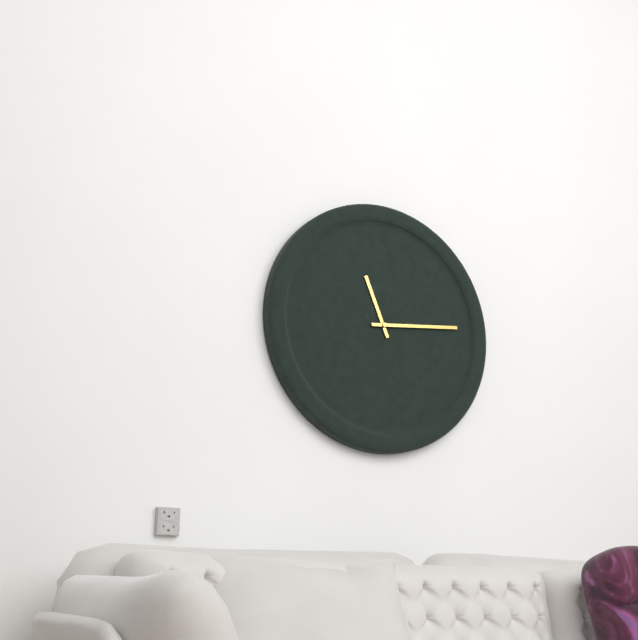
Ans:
11h14
